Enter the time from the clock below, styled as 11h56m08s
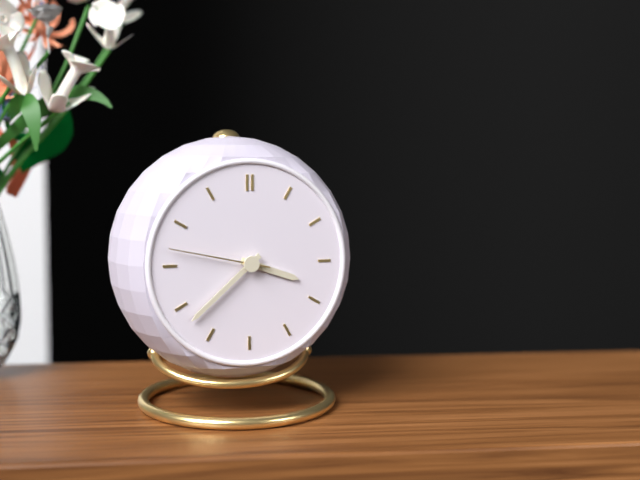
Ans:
3h38m47s
